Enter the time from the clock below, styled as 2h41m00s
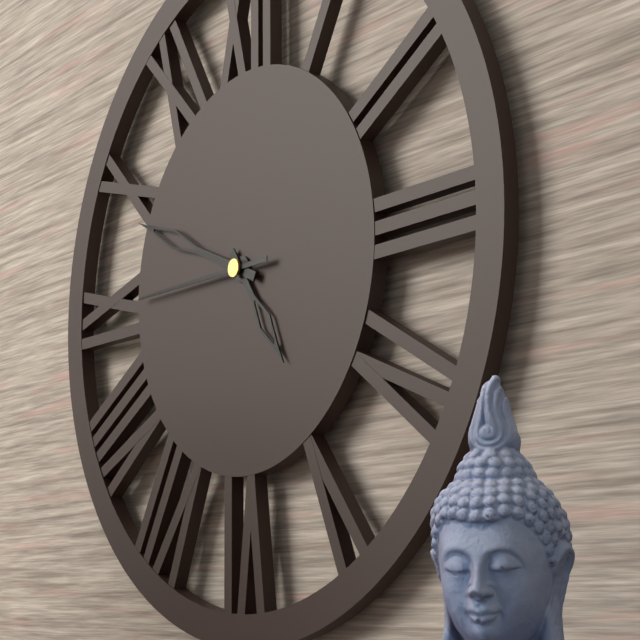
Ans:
4h49m45s
